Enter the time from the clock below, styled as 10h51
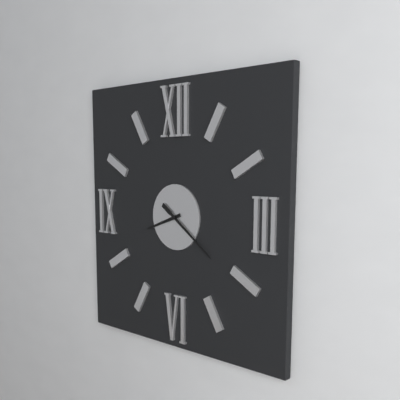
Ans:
8h21
